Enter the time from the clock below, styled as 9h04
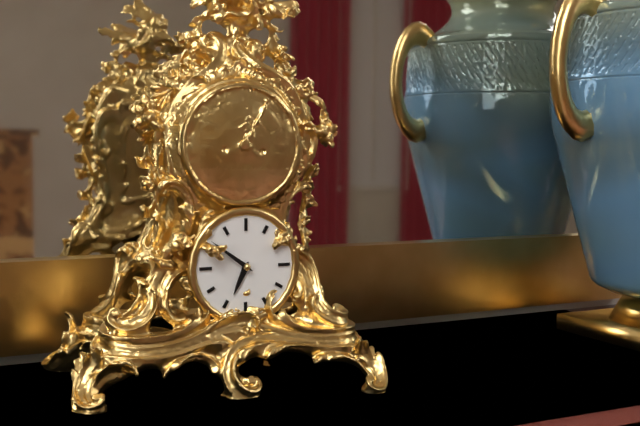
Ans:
6h51
